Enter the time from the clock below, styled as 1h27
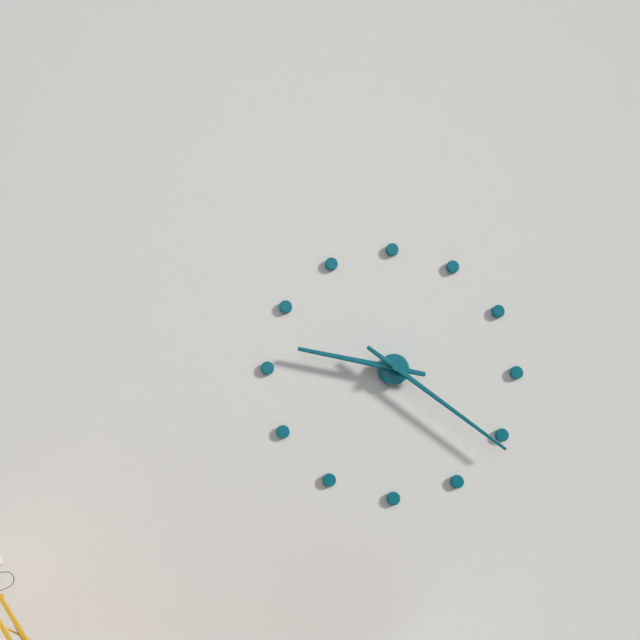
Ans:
9h21
